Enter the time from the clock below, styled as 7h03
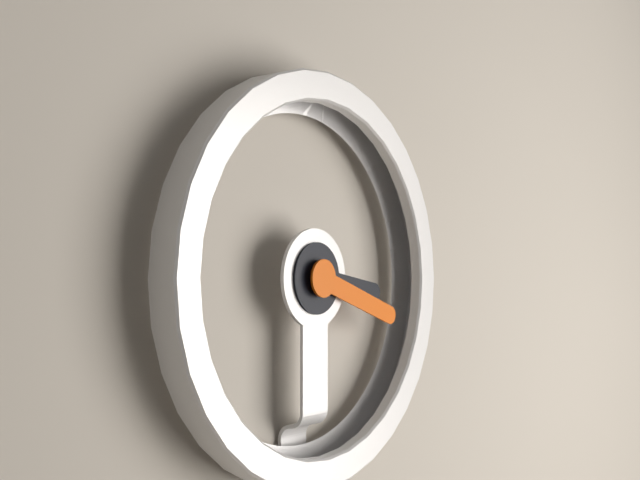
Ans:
3h18
